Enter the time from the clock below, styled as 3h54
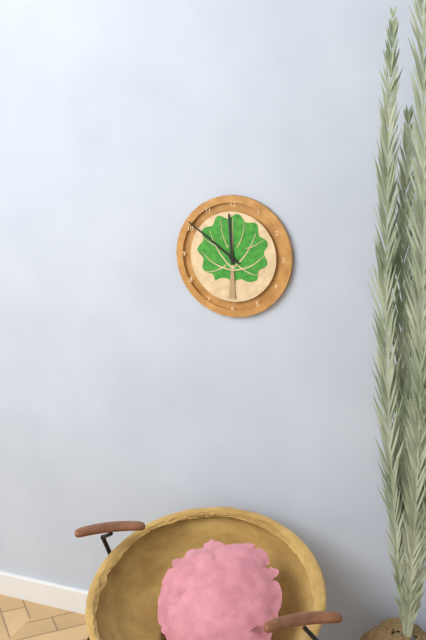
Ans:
11h51
